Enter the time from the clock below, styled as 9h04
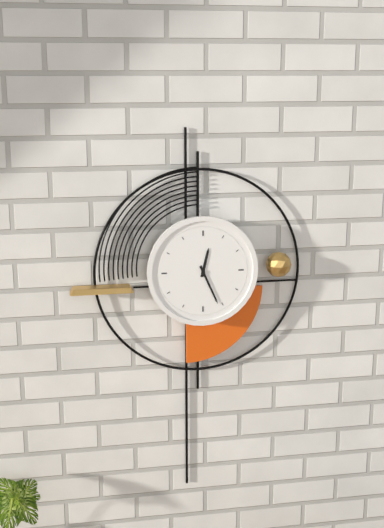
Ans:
12h26
